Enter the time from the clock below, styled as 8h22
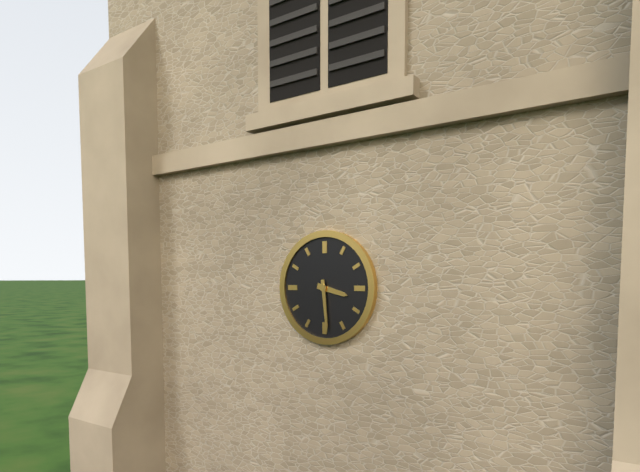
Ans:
3h29
